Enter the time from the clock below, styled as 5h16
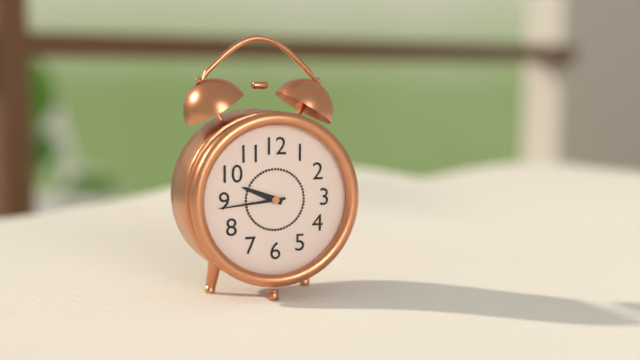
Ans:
9h44
